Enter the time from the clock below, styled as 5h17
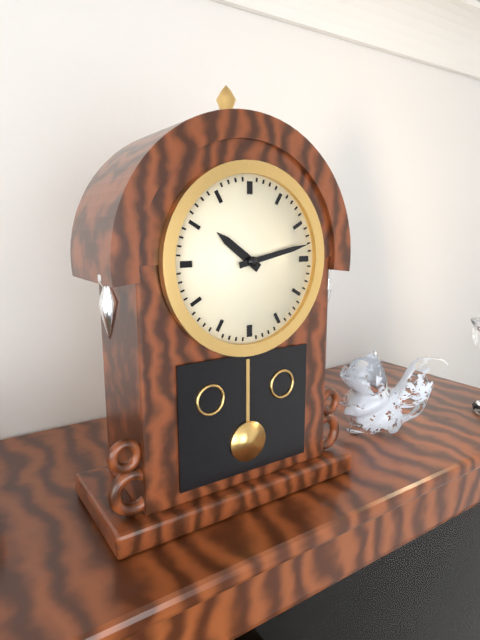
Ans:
10h13
